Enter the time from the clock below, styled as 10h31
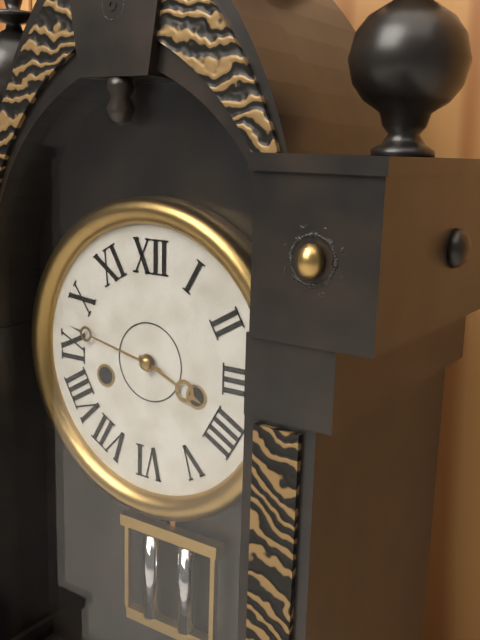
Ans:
3h47
